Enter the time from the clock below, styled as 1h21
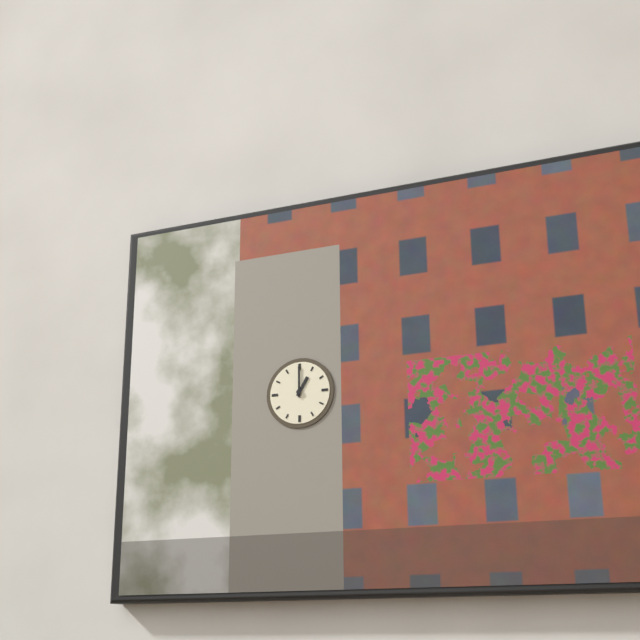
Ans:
1h00
